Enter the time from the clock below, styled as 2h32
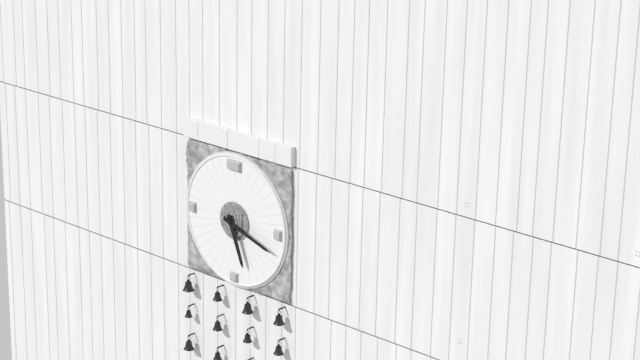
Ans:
5h18
